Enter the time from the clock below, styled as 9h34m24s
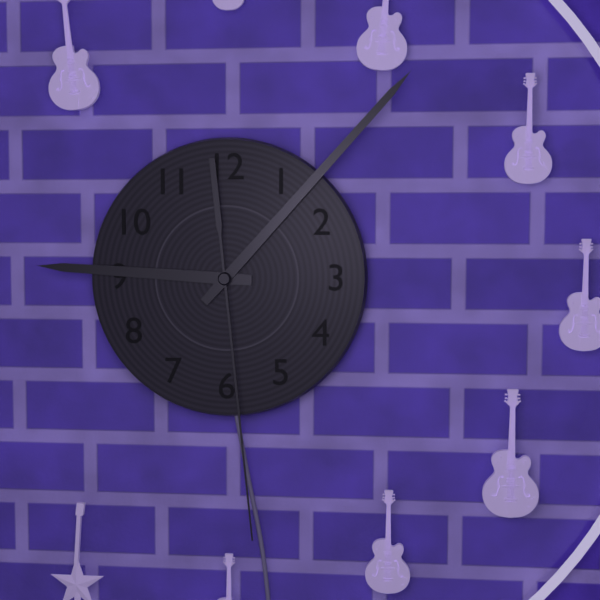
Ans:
9h07m29s
